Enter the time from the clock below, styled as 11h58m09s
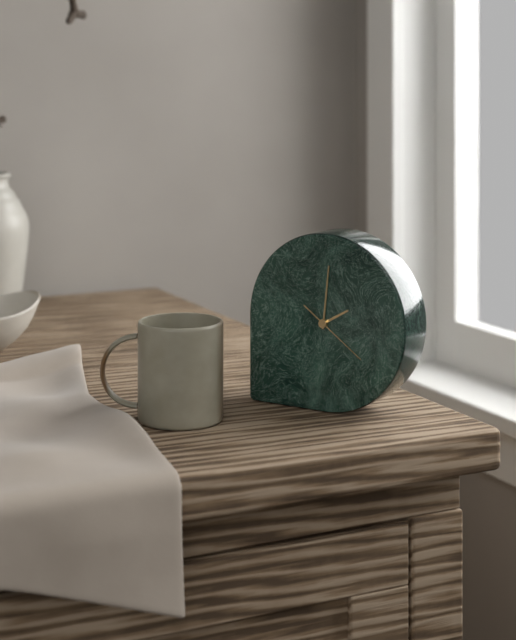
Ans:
2h01m21s
